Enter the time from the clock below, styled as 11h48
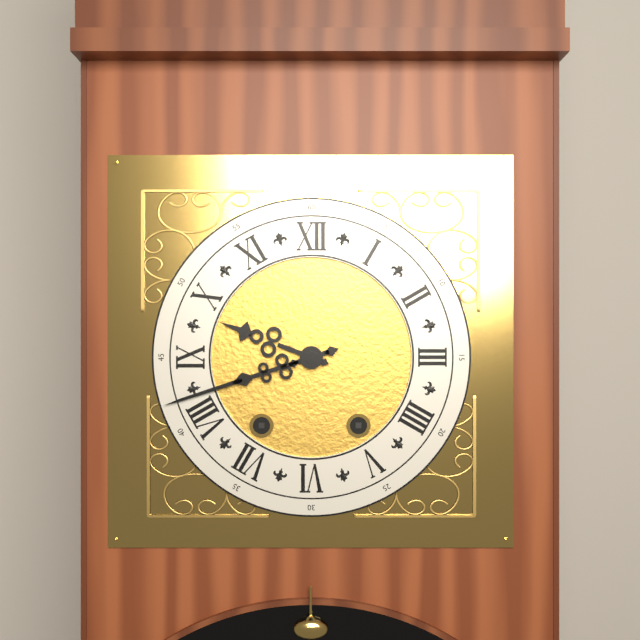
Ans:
9h42
